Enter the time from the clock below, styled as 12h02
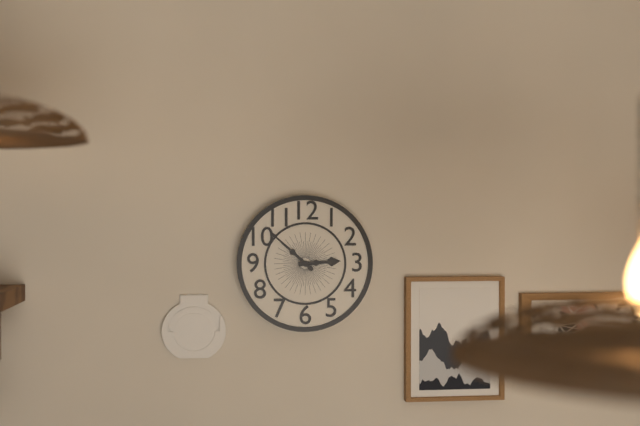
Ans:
2h52
